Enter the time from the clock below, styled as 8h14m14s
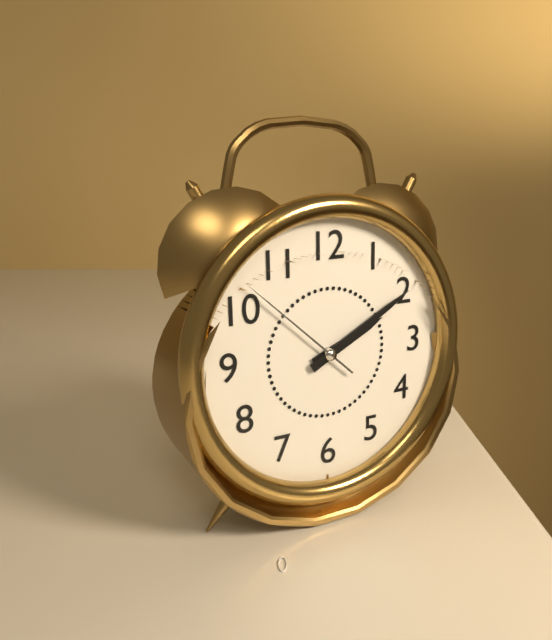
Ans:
2h10m52s
